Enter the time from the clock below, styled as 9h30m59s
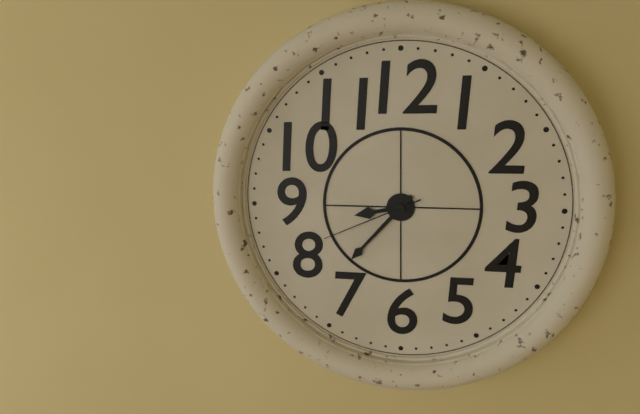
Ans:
8h37m41s
